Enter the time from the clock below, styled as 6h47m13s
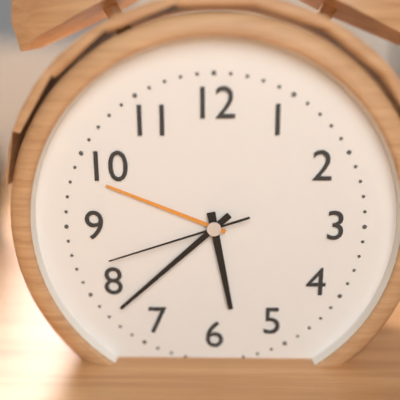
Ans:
5h38m42s
